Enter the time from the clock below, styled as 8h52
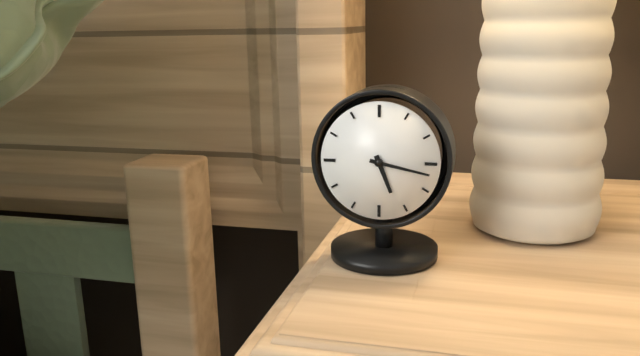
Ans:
5h17
